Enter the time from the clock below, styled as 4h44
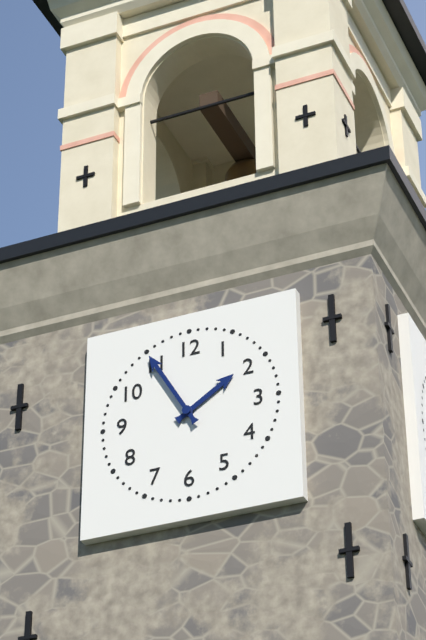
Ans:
1h55
